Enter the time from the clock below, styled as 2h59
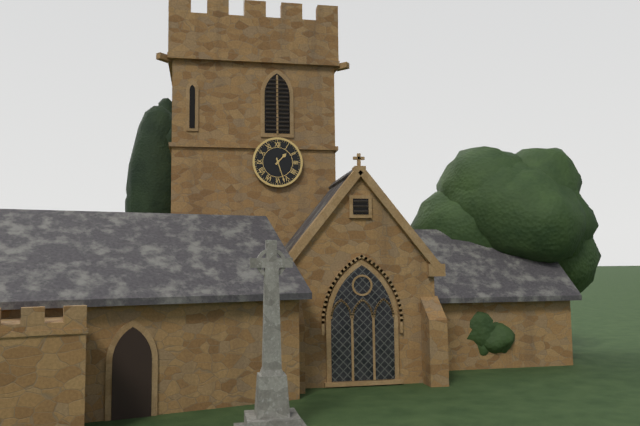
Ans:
1h27
